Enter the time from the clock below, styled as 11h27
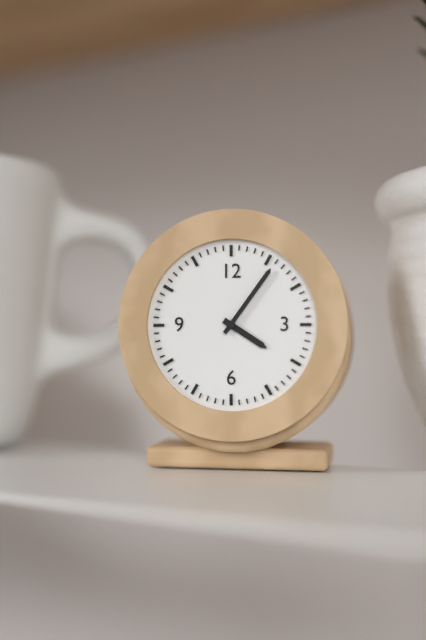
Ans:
4h06
